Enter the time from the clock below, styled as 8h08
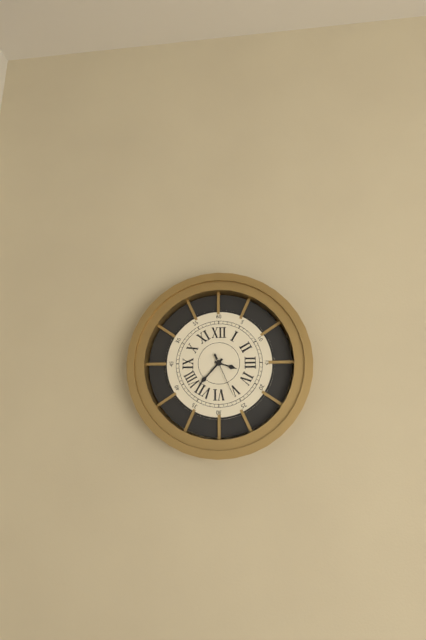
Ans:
3h37
